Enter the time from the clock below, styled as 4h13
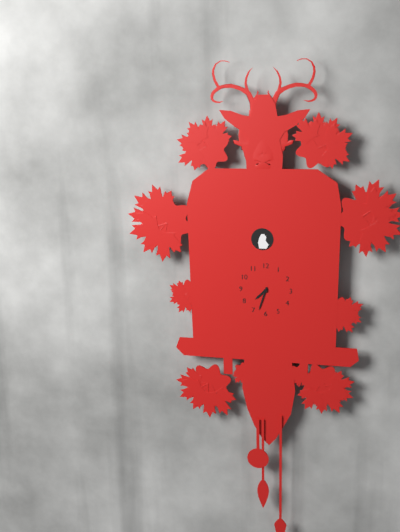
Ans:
7h33
